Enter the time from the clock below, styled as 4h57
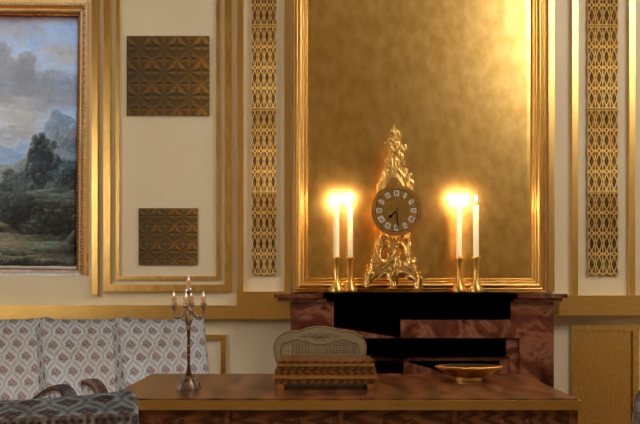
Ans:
7h29
